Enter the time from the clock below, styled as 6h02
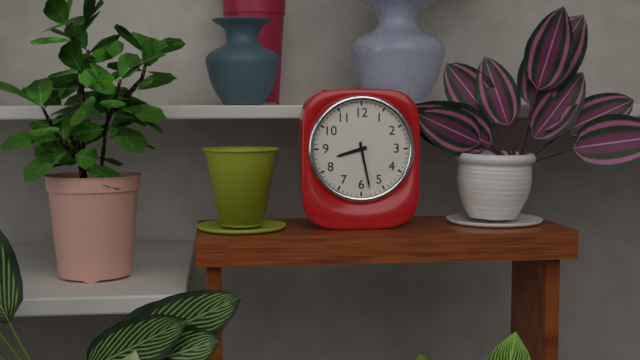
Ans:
8h28
